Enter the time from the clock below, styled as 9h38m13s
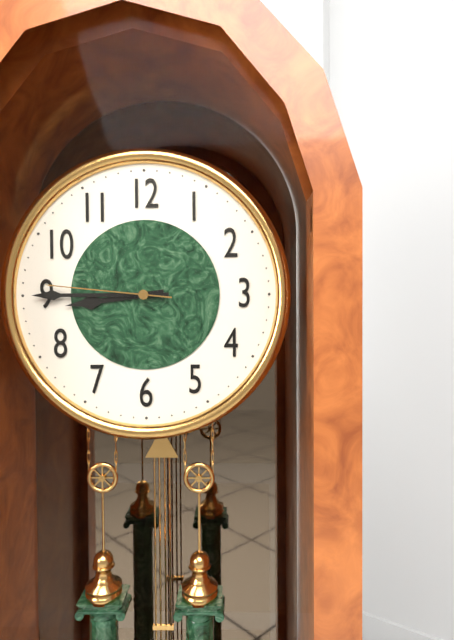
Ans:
8h45m46s
